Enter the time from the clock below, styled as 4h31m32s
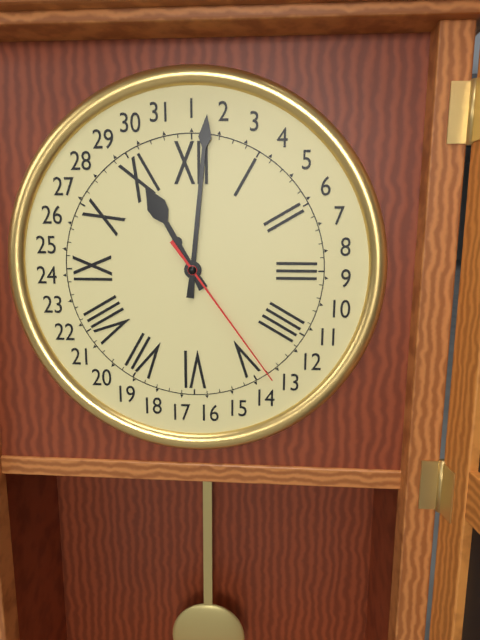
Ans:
11h01m24s
